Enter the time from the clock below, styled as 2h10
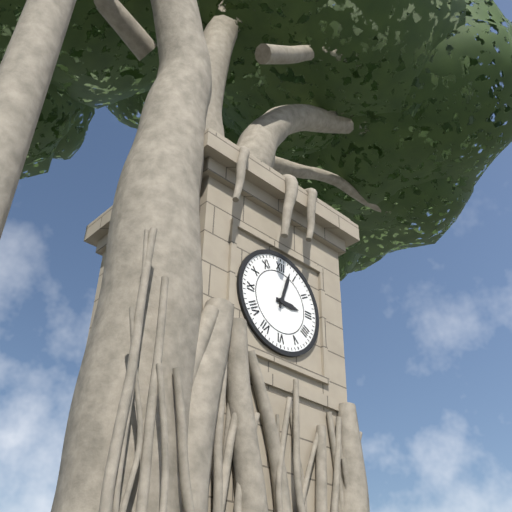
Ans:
3h03
